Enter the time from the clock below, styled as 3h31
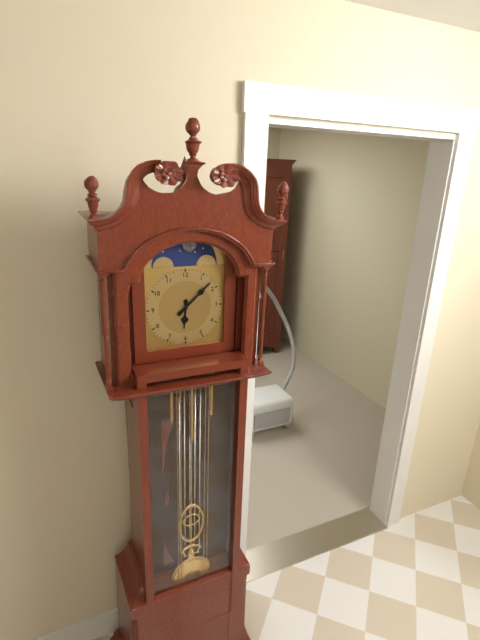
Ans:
6h08
